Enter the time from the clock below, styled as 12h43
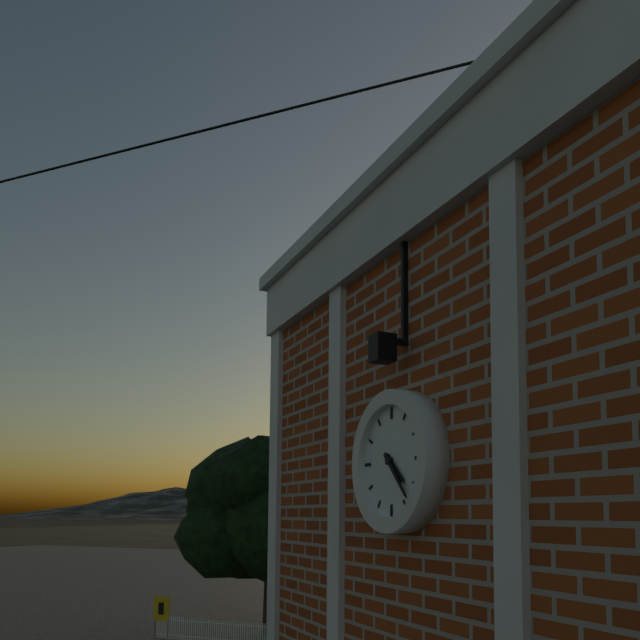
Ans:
4h23
